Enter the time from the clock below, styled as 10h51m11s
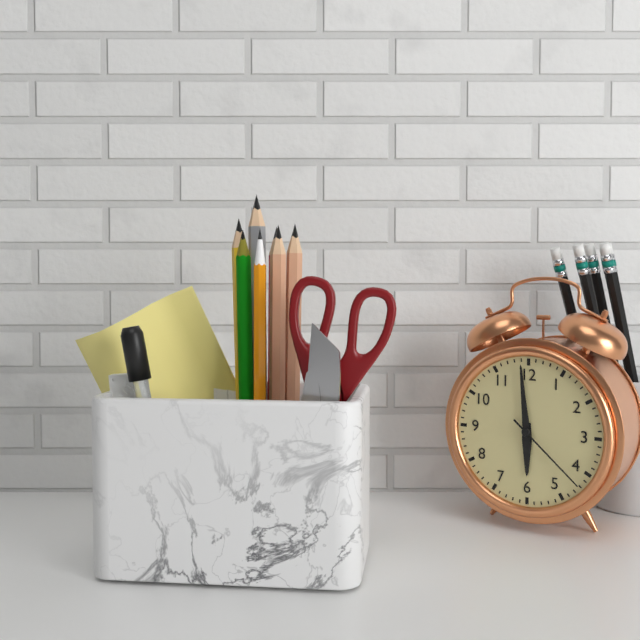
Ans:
5h59m22s
